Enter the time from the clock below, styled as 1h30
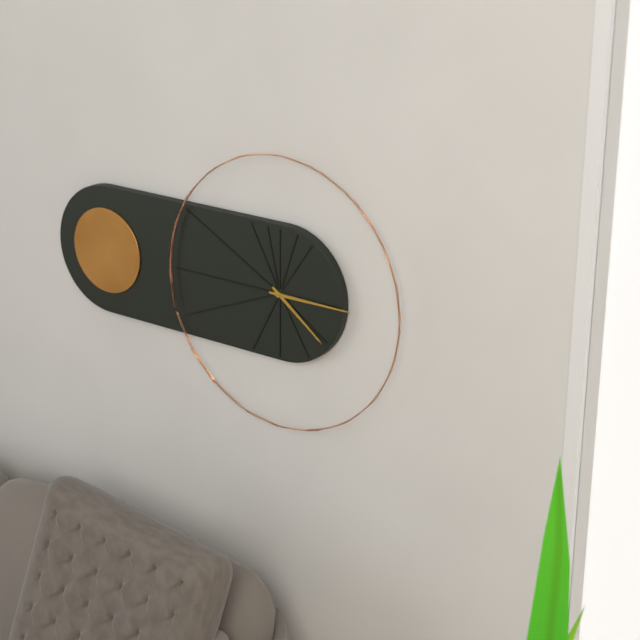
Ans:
4h15
